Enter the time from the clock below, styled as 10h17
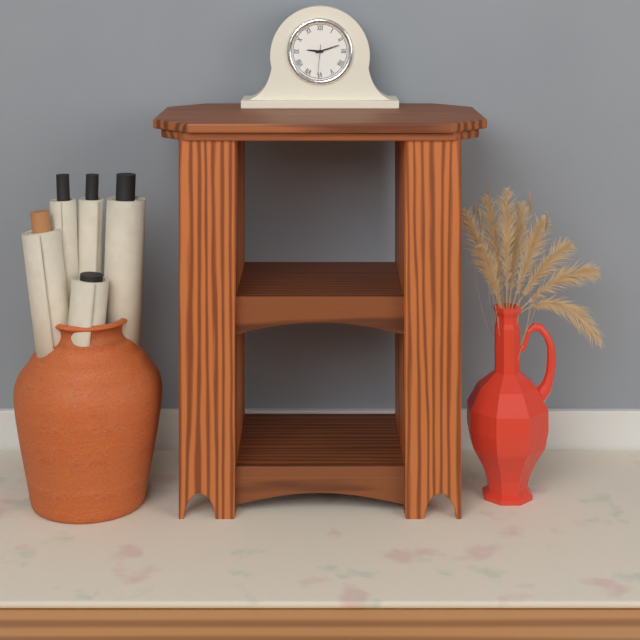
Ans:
9h12
